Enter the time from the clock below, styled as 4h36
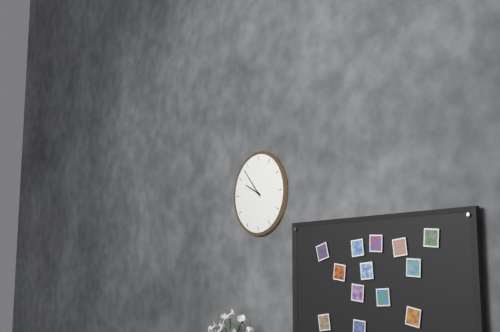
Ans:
9h53
